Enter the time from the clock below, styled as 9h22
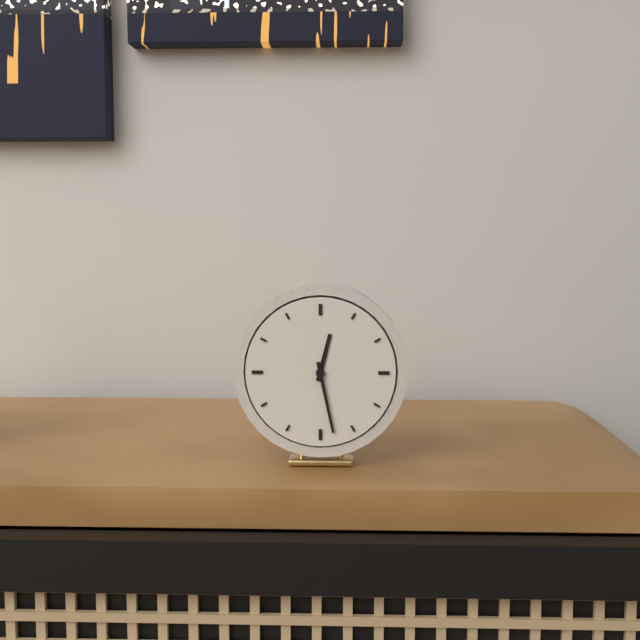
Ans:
12h28
